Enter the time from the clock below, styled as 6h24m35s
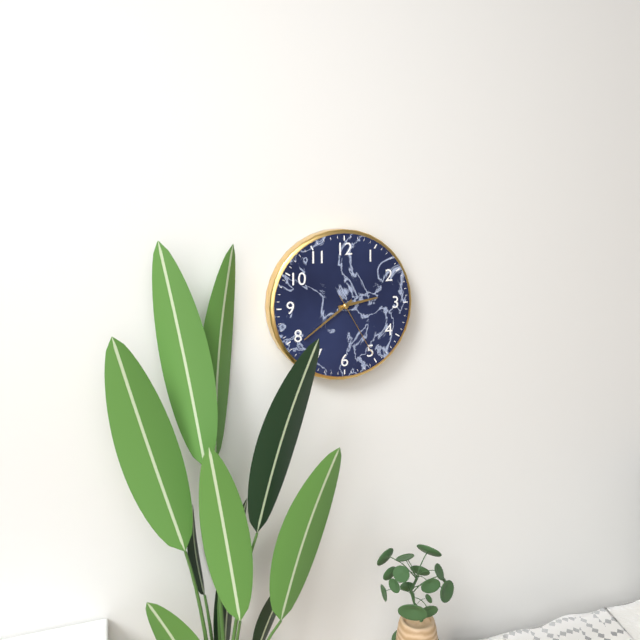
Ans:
2h39m25s
